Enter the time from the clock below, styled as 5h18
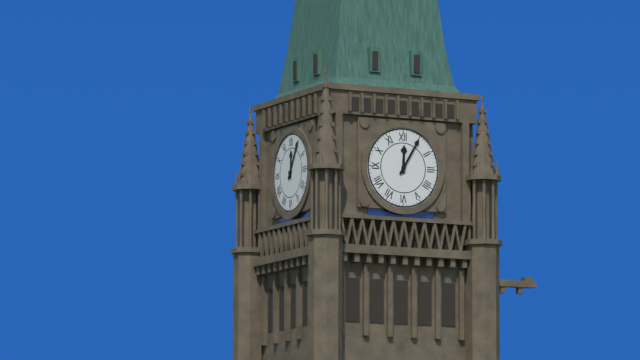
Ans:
12h05
